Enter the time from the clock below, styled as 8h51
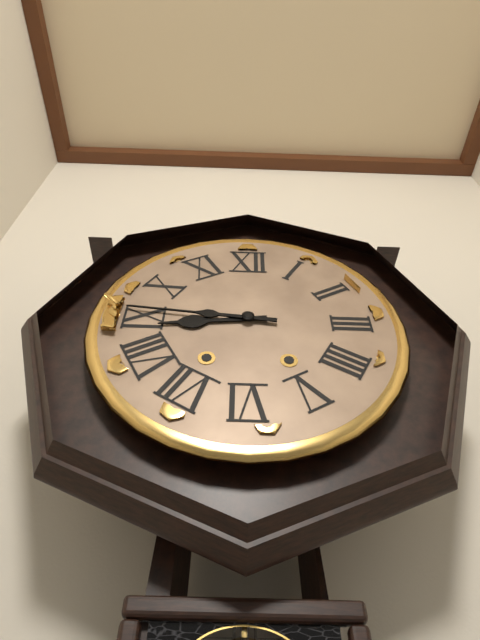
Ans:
8h46
